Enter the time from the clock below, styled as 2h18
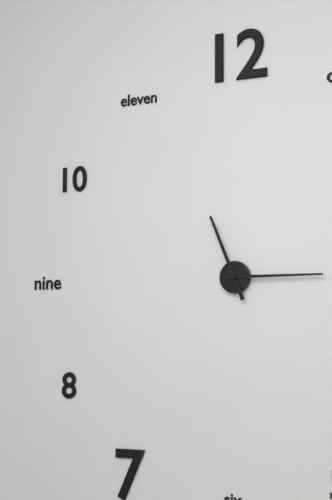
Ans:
11h15
